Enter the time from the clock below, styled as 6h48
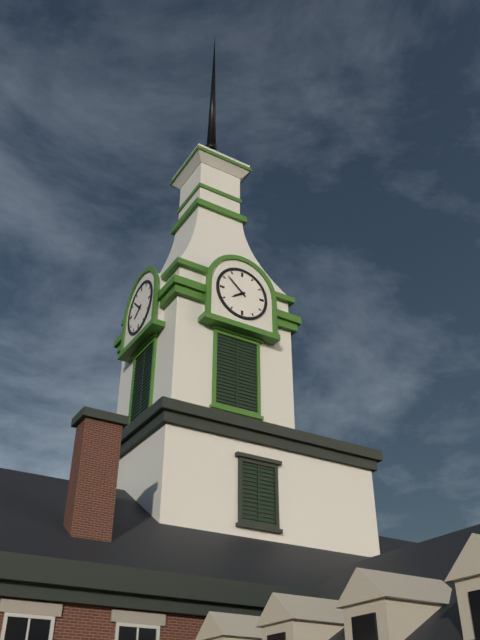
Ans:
7h52
